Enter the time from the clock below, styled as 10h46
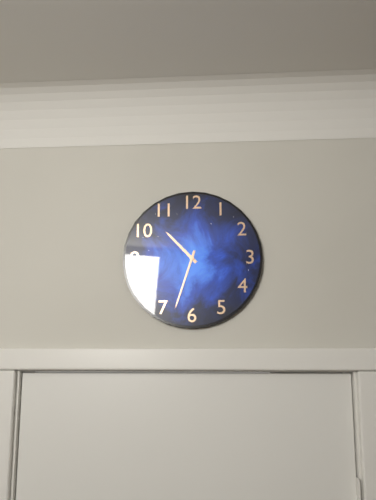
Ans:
10h33
